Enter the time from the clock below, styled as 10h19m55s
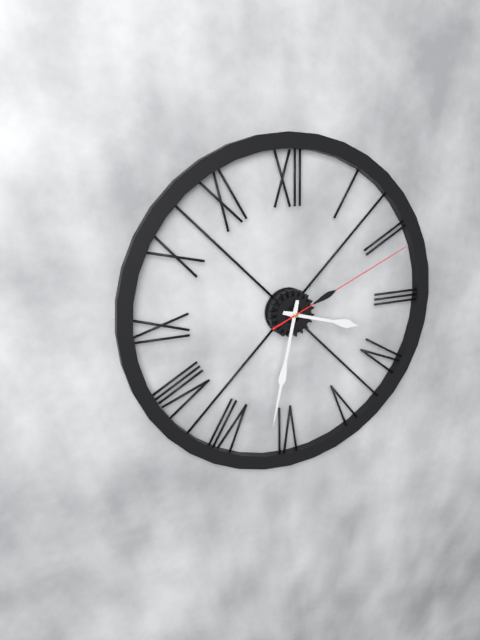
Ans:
3h32m11s
